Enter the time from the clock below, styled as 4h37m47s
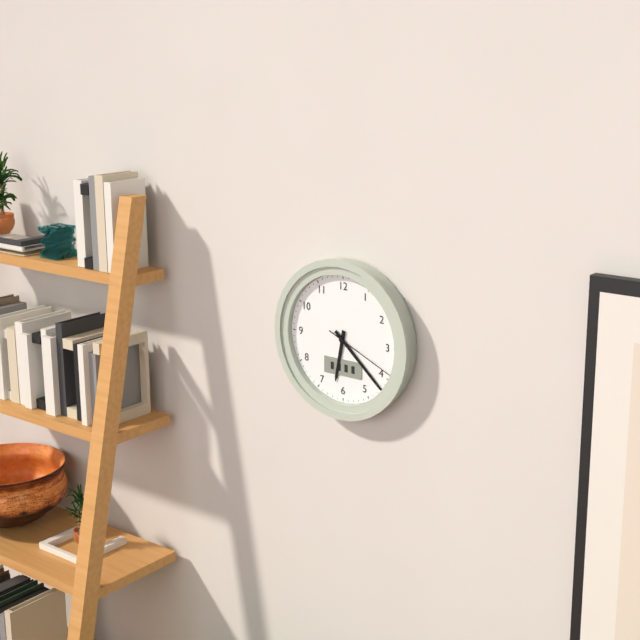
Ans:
6h22m19s
